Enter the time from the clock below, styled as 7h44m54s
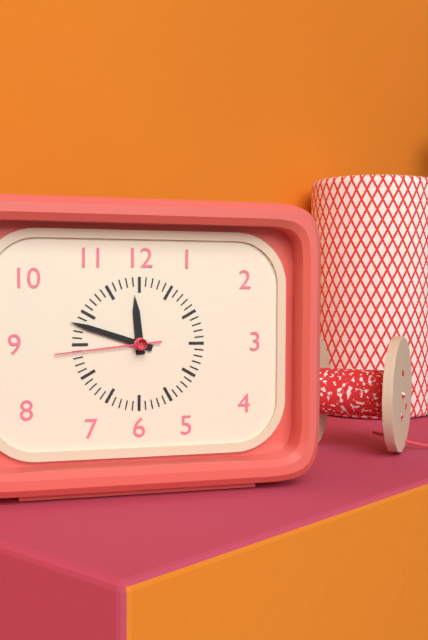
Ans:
11h48m44s
